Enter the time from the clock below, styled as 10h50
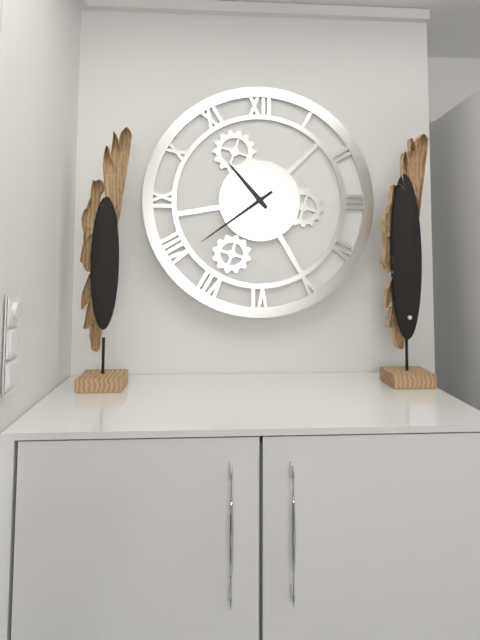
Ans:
10h39
